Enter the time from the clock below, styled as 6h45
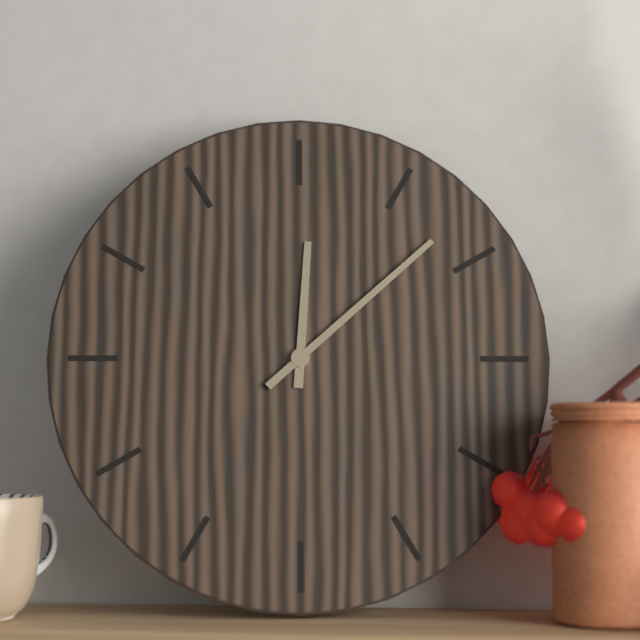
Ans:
12h08
